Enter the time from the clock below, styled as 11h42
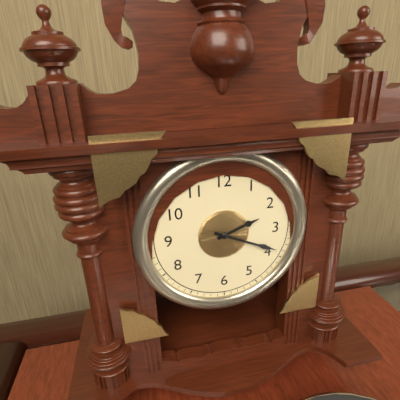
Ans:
2h19
